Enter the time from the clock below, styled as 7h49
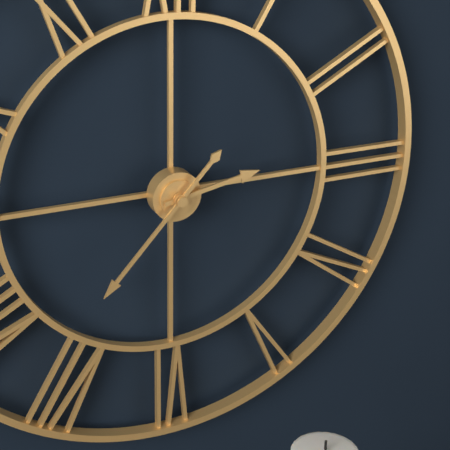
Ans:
2h37
